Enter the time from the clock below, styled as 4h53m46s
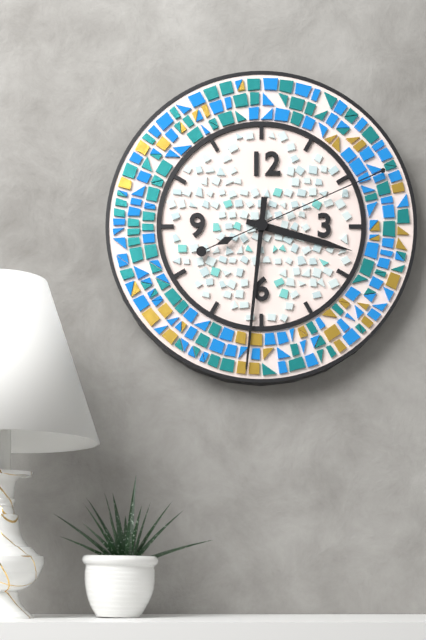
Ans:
3h31m11s
